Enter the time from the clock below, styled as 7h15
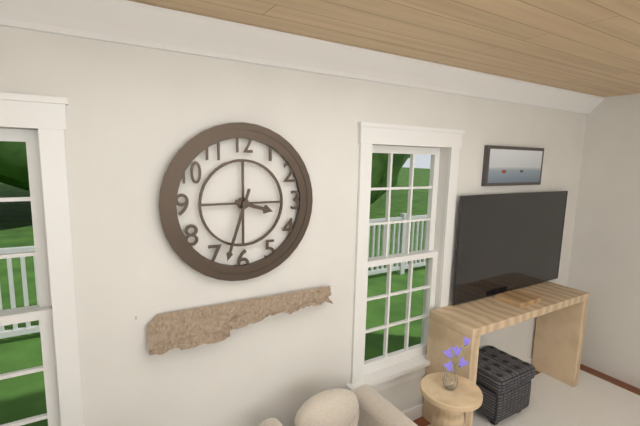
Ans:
3h33
